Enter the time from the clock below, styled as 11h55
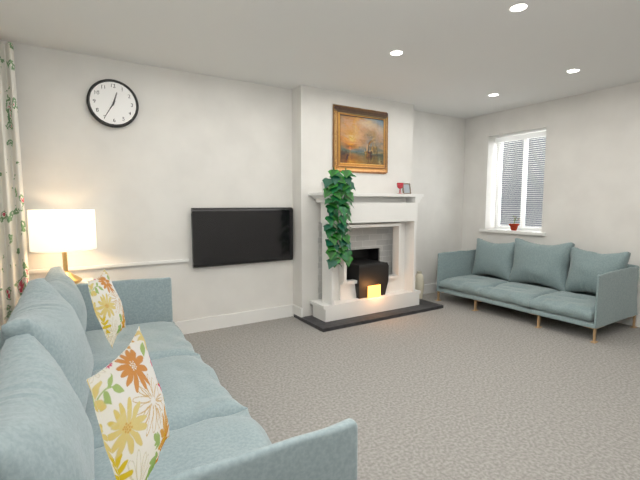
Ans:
12h35
